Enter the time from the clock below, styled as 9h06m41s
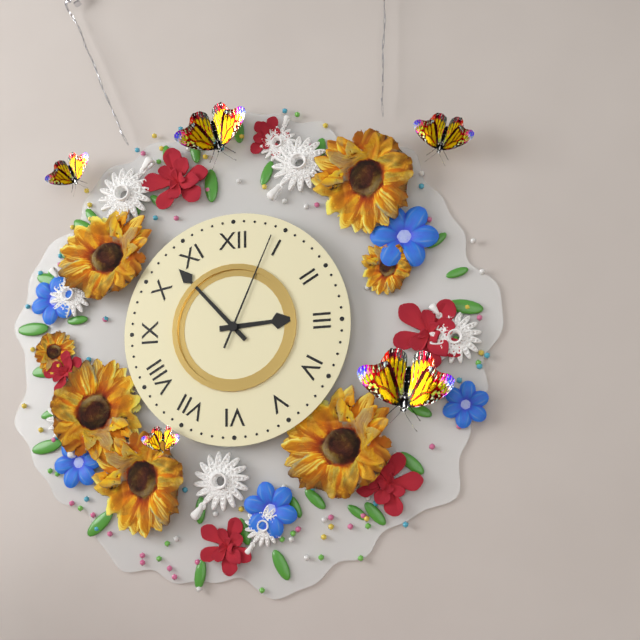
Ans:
2h53m04s
